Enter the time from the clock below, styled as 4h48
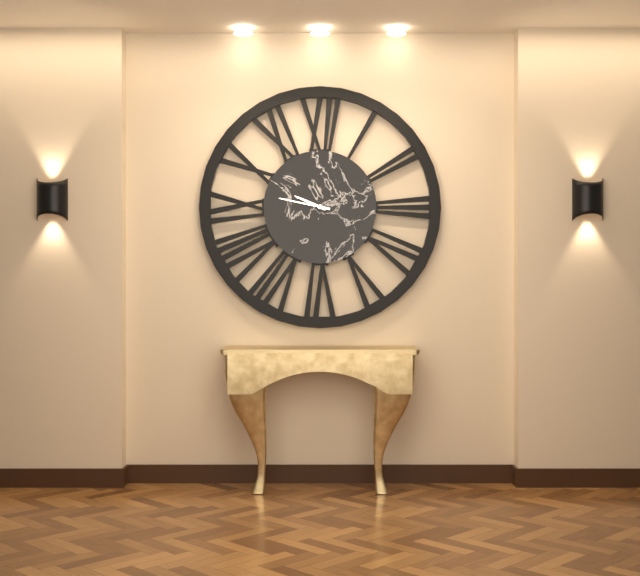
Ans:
9h47
